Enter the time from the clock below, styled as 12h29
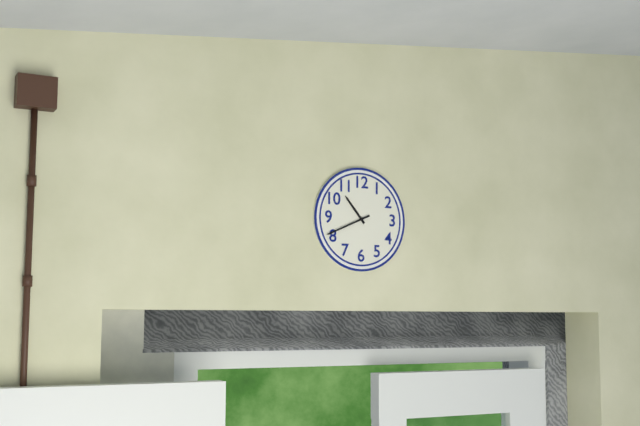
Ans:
10h41
